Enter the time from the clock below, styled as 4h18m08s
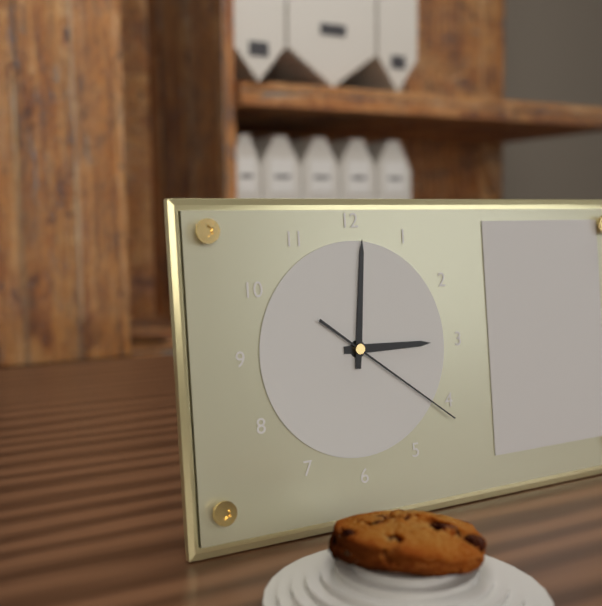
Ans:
3h01m21s
